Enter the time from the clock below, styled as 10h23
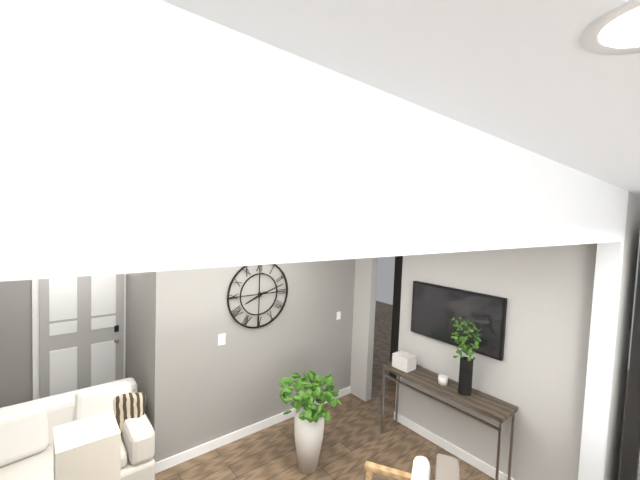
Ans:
8h12
